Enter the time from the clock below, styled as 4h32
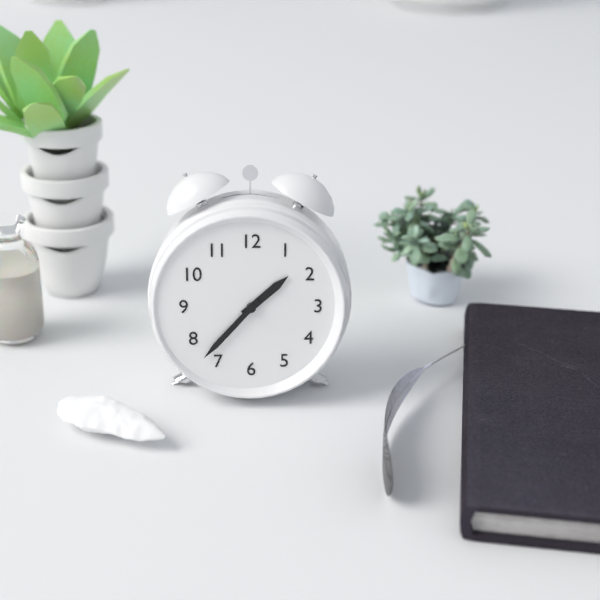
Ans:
1h37
